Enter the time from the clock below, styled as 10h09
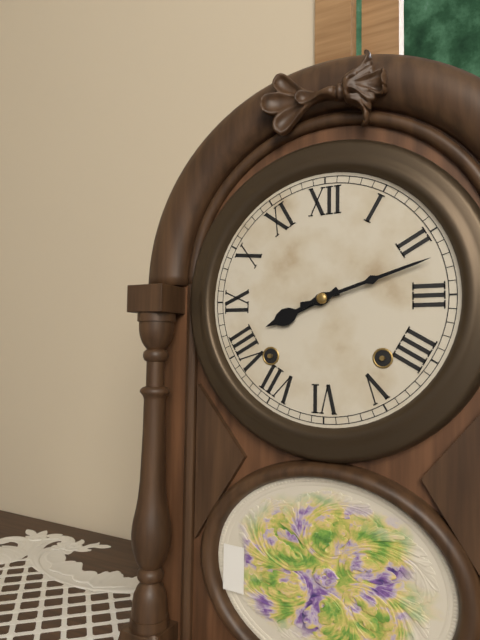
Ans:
8h12
